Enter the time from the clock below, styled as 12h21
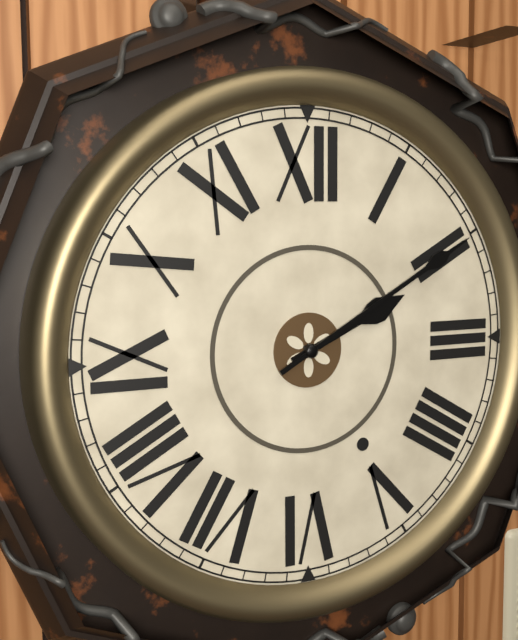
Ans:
2h10
